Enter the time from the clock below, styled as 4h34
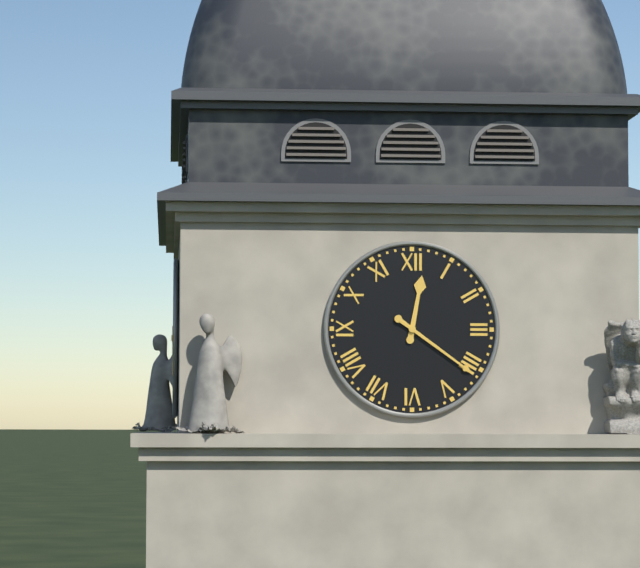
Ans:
12h21
